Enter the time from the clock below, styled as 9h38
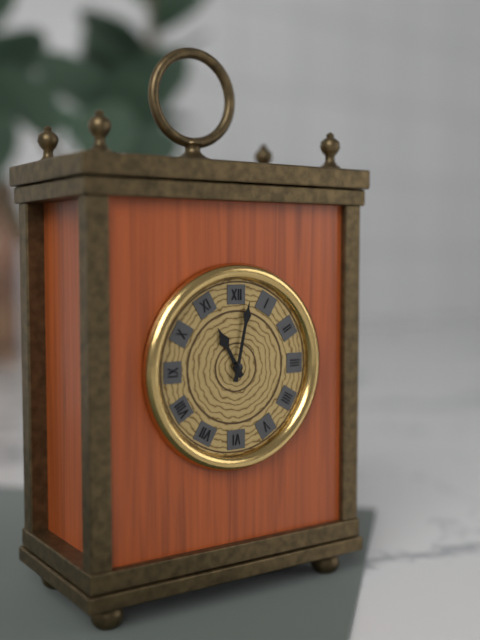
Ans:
11h02
